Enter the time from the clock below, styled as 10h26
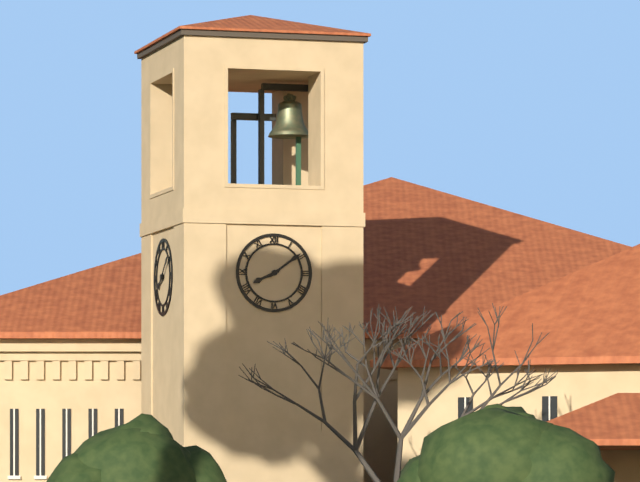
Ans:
8h09
